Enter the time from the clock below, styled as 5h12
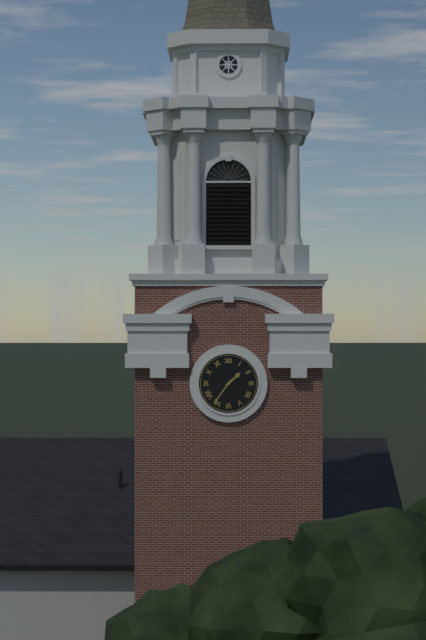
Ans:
1h36
